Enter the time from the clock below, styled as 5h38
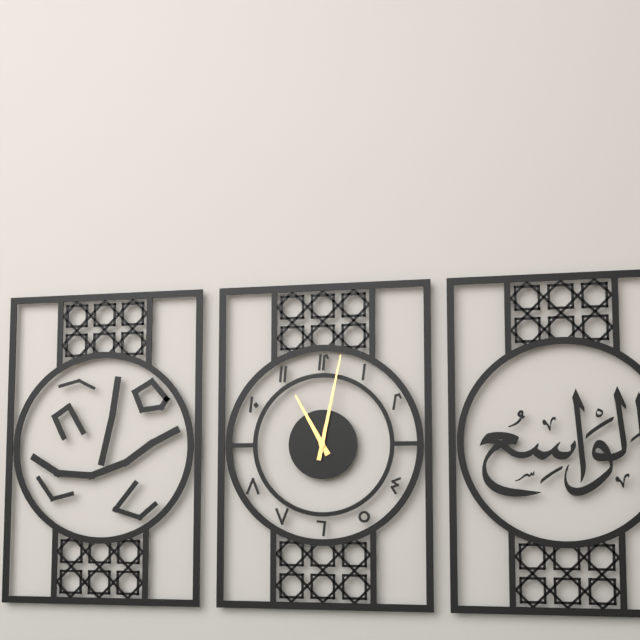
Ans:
11h02
